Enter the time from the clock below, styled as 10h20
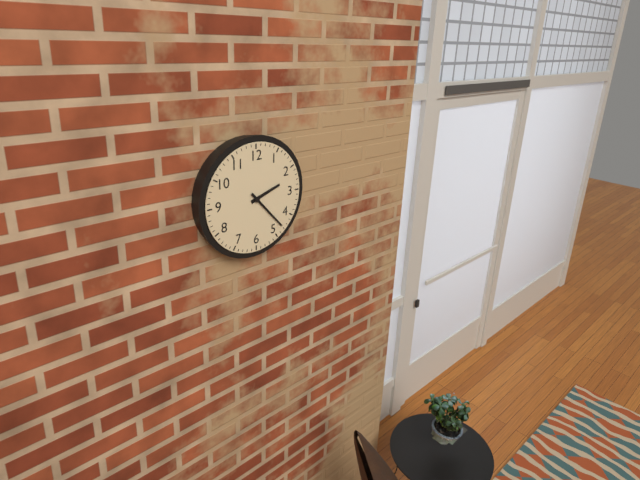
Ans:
2h23
